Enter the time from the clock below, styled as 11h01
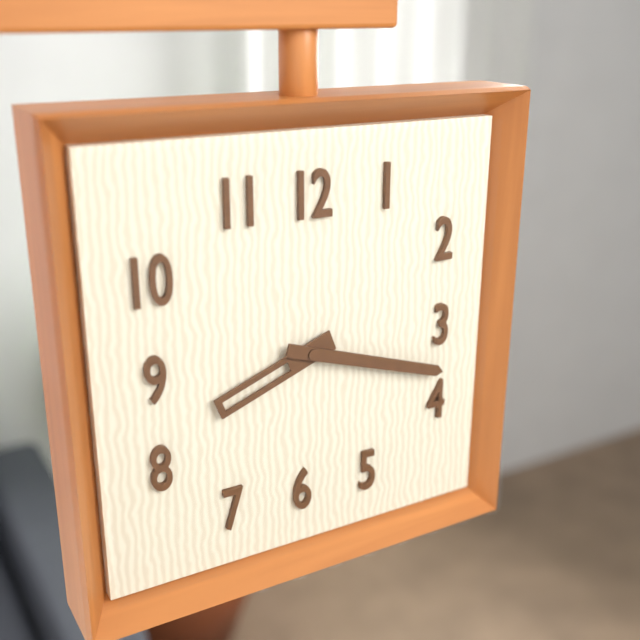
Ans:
8h18
